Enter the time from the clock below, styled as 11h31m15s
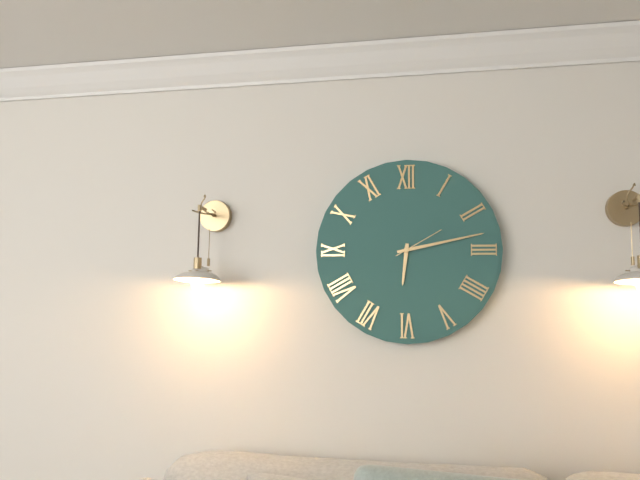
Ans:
6h13m10s
